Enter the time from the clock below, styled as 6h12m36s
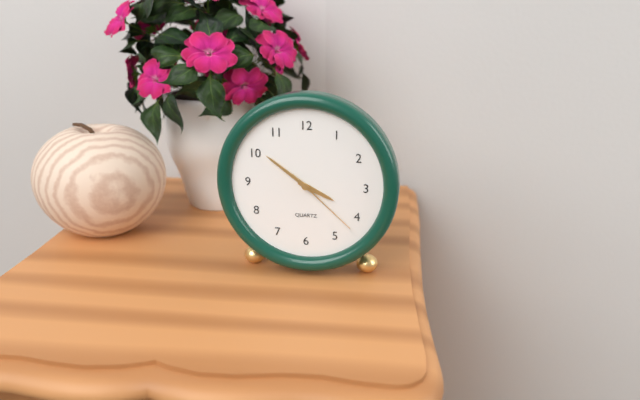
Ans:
3h51m22s
